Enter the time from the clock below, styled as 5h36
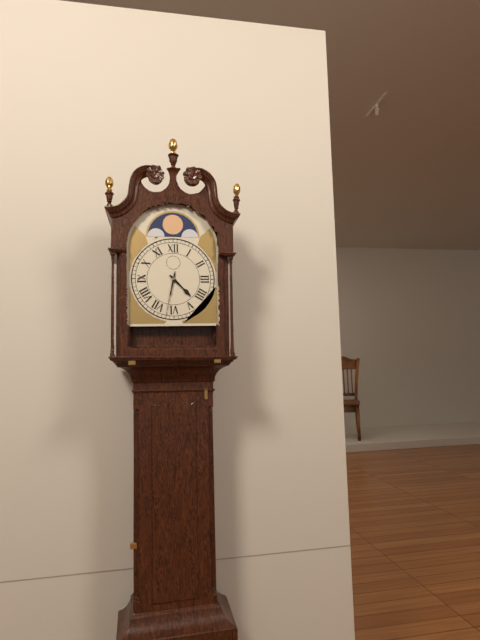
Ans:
4h32
